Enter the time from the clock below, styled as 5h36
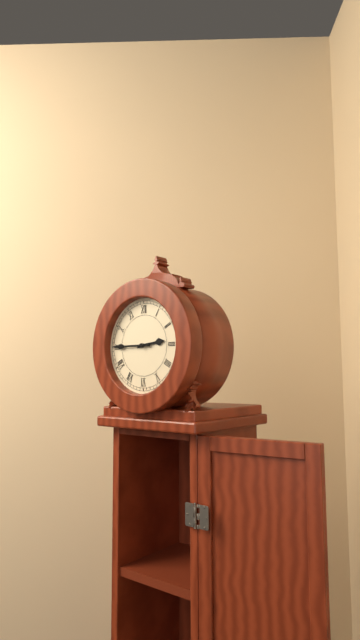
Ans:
2h45
